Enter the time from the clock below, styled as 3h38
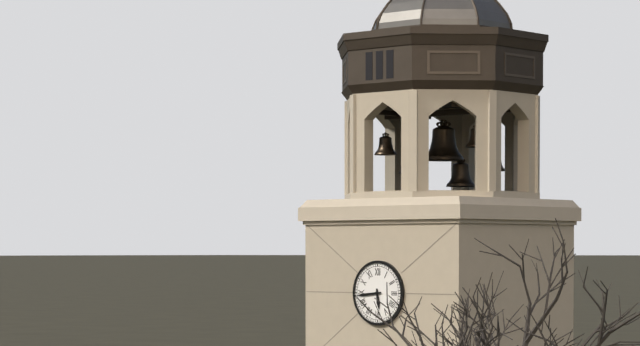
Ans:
5h44
